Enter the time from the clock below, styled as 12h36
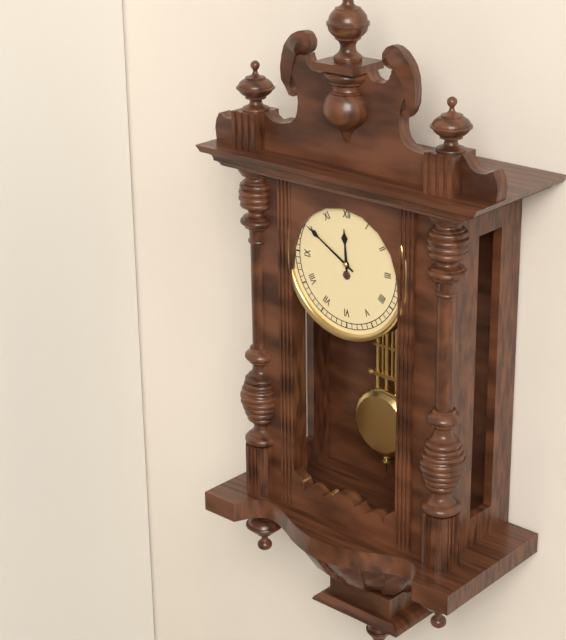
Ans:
11h50
